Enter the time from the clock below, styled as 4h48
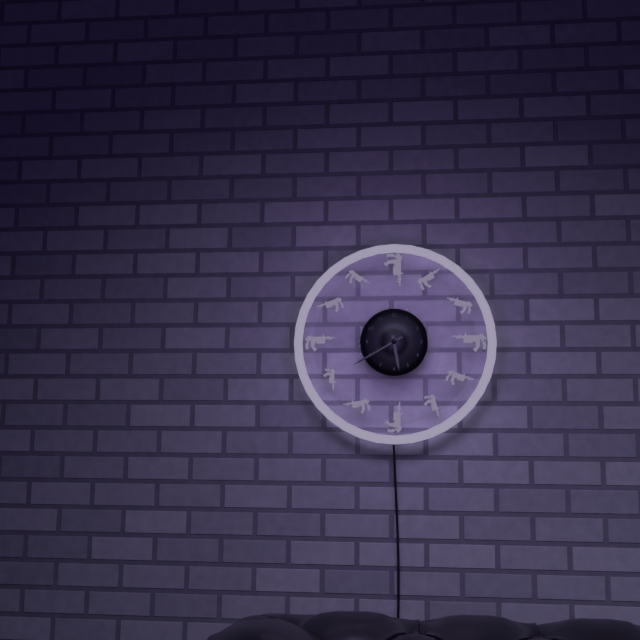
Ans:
5h40
